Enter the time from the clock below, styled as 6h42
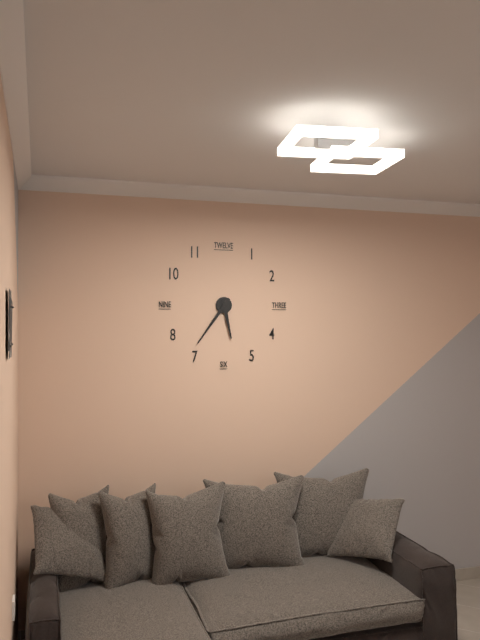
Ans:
5h36
